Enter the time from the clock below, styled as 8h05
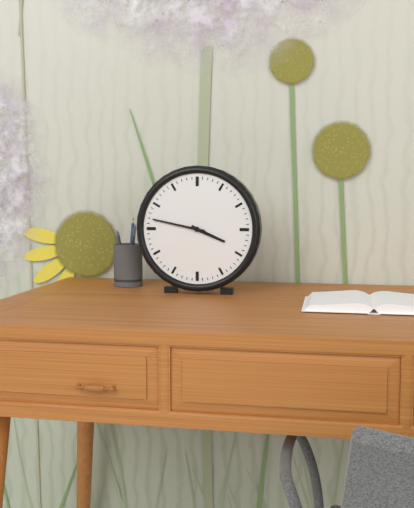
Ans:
3h47
